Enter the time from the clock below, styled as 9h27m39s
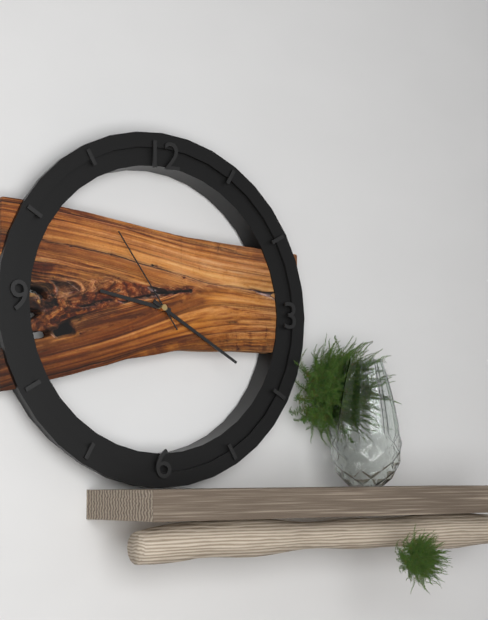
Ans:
9h20m54s
